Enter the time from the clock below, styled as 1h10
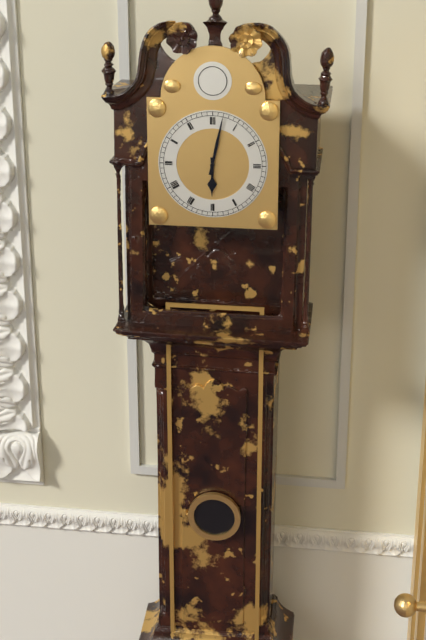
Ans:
6h02
